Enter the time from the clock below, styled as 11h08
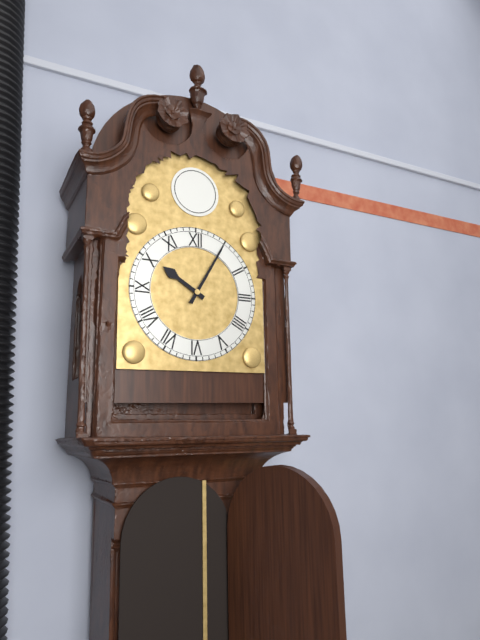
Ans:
10h05
